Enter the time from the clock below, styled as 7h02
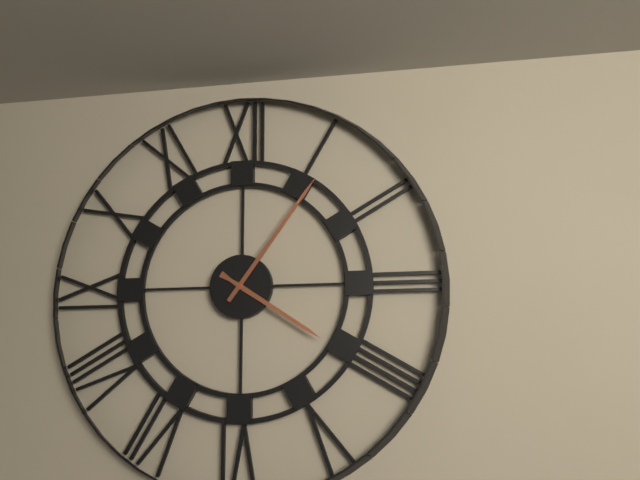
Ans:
4h06
